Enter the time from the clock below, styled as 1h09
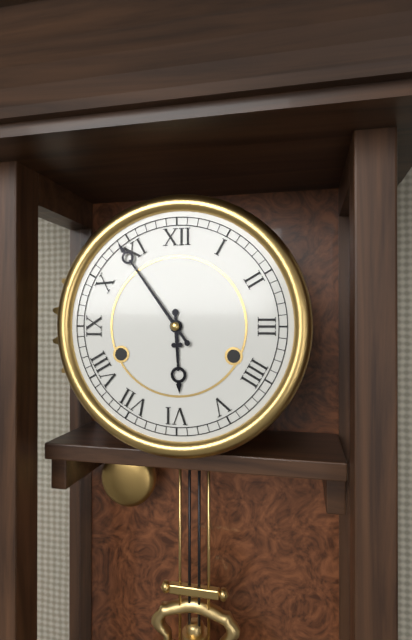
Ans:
5h54
